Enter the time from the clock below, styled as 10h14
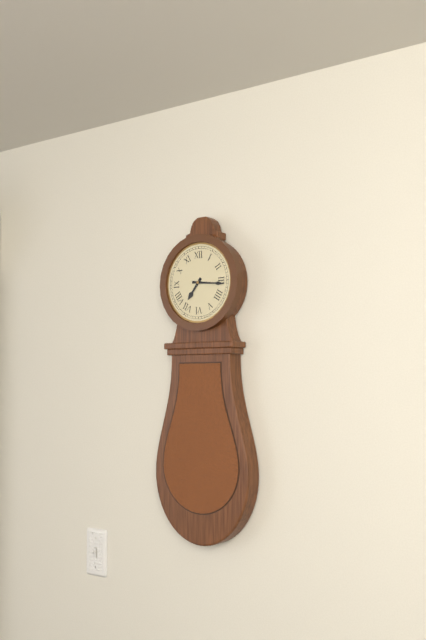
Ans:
7h16
